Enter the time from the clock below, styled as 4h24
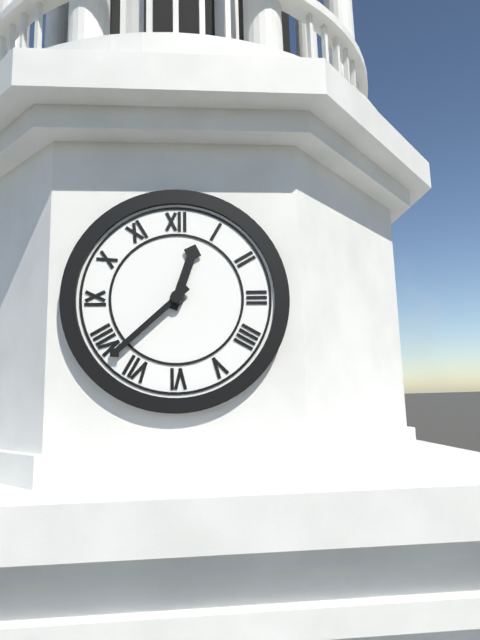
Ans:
12h38
